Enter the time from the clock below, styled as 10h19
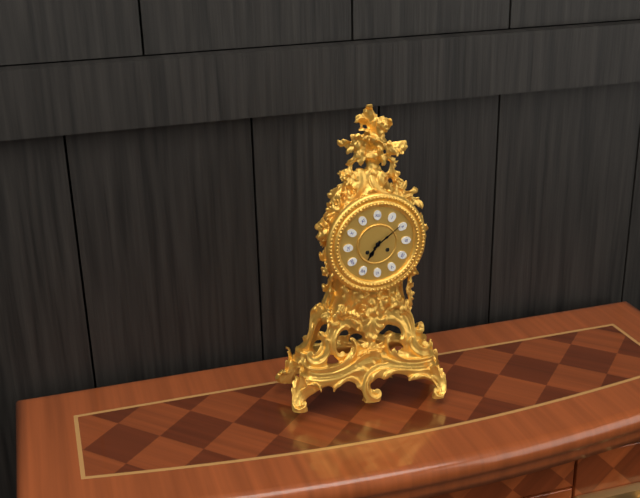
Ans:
7h09
